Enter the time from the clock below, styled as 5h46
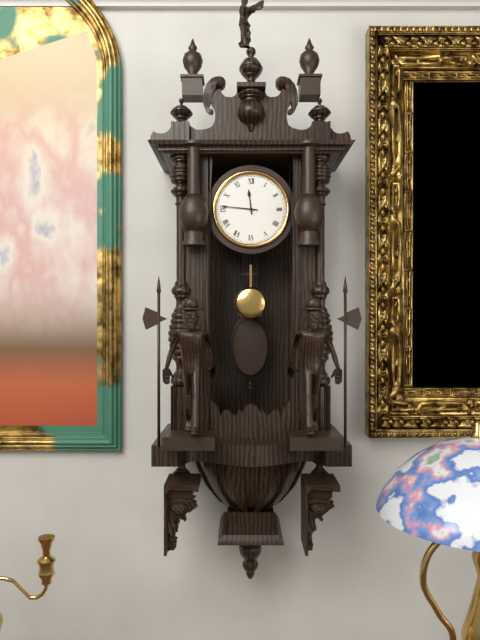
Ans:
11h46
